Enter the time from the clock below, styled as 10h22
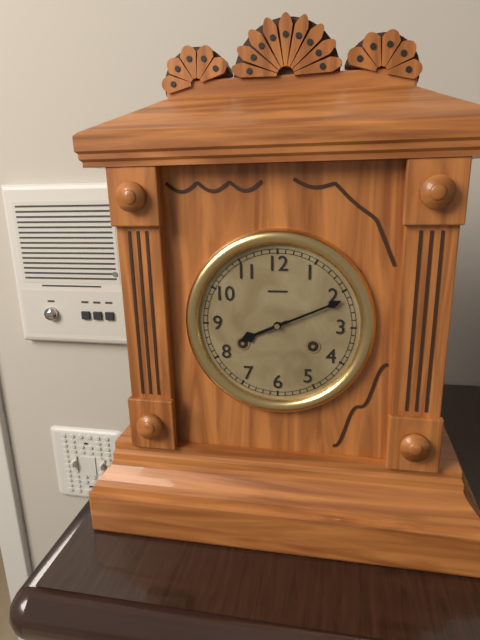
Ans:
8h11
